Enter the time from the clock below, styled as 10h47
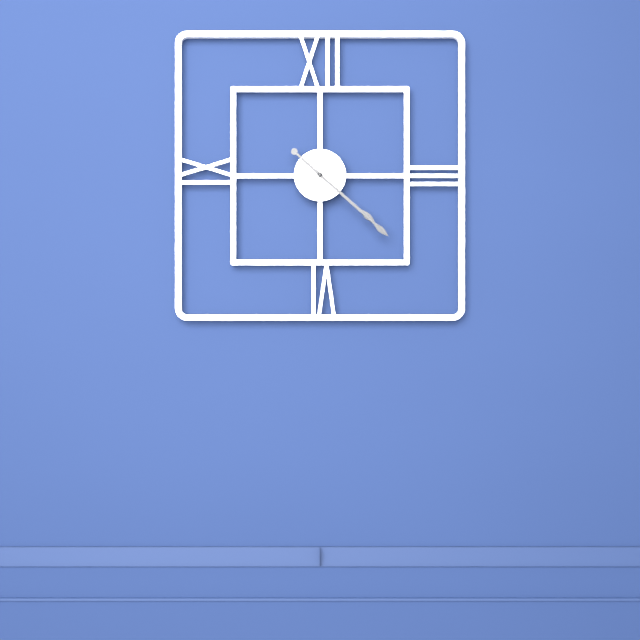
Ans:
4h22
